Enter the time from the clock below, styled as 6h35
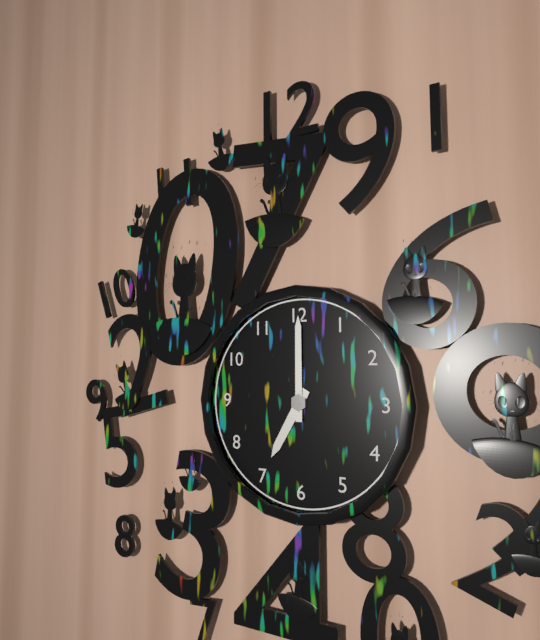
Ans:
7h00
